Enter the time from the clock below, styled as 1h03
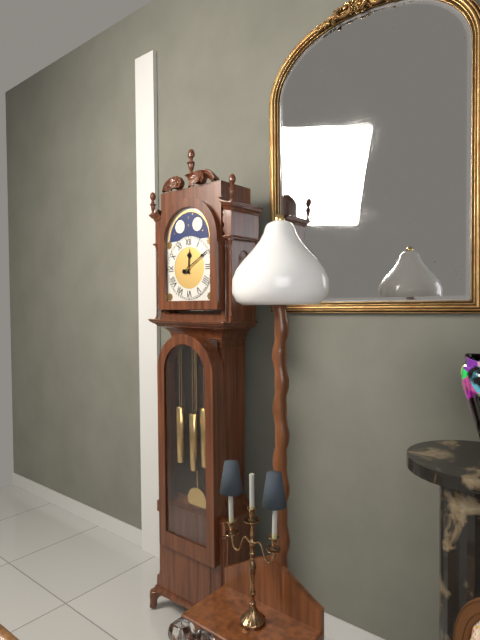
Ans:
12h10
